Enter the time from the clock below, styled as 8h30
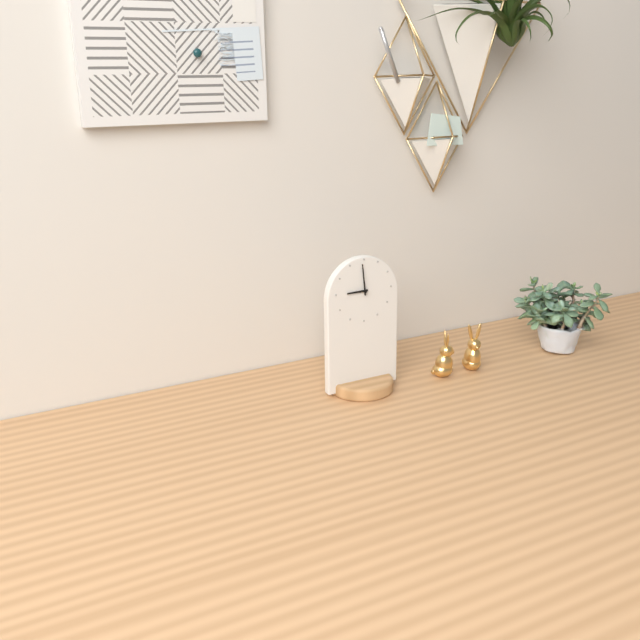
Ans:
8h59
